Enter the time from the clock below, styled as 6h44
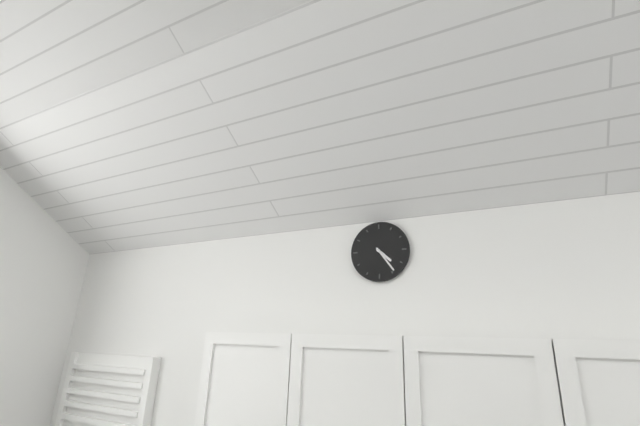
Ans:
4h24
